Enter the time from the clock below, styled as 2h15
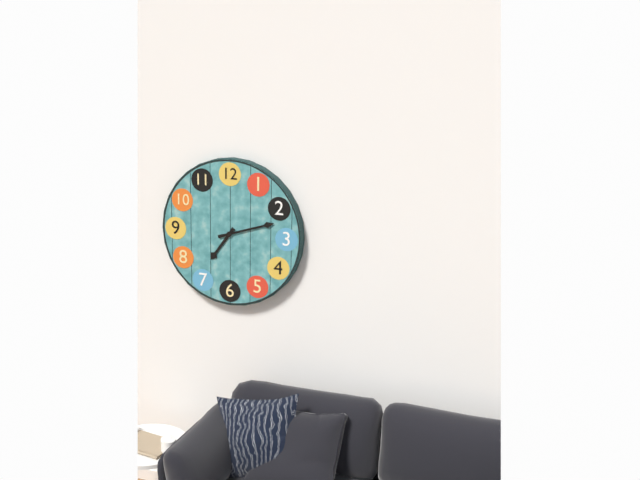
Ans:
7h12
